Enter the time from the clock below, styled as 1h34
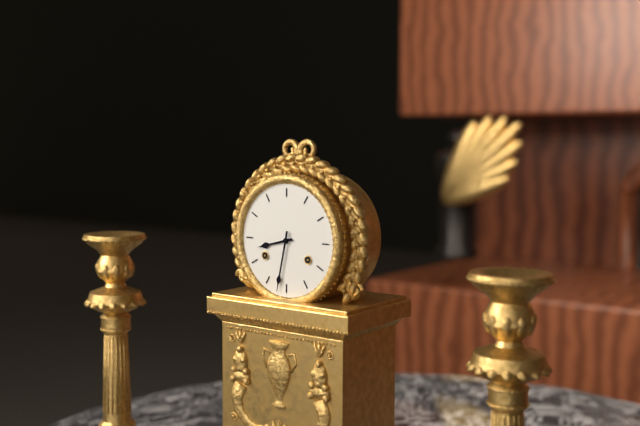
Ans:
8h32
